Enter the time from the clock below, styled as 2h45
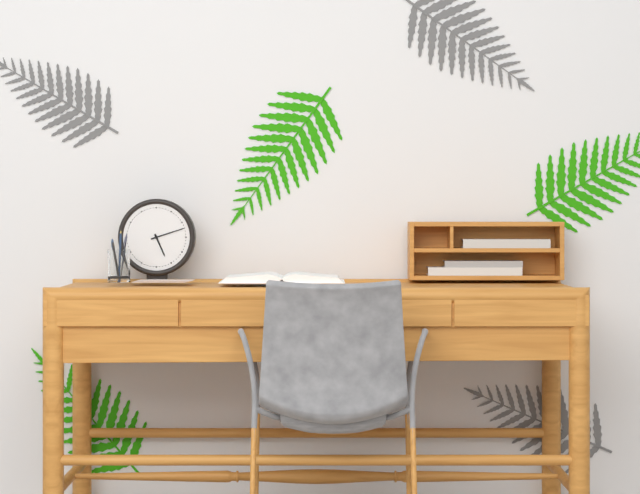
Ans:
5h12
